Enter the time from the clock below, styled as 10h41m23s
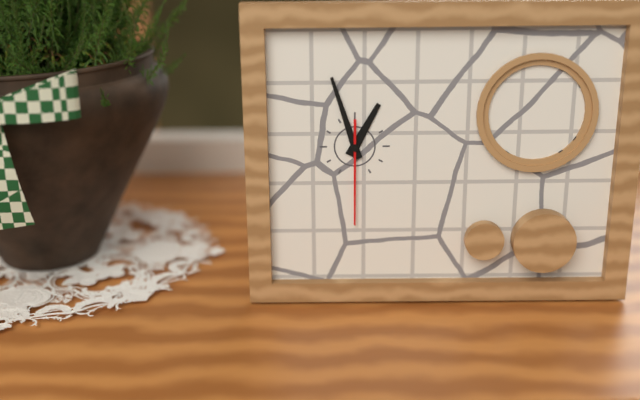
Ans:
12h57m30s
